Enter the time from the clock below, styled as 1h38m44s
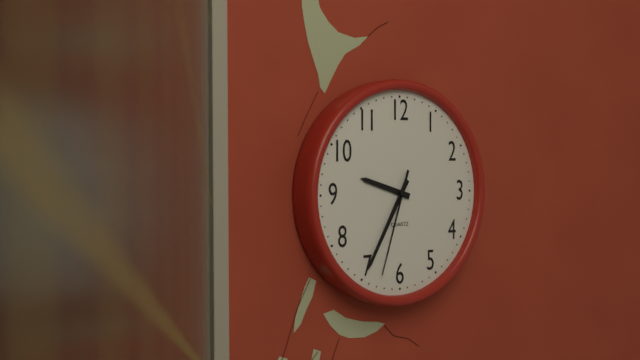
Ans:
9h35m33s
